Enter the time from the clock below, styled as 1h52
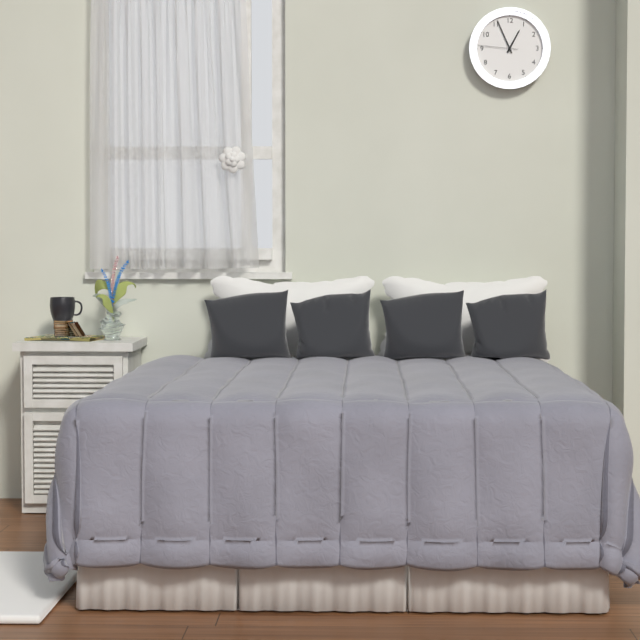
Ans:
12h56
